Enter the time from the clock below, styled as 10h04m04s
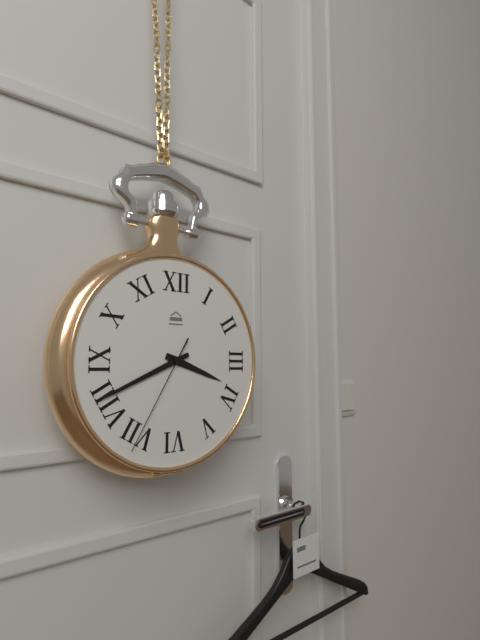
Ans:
3h41m35s
